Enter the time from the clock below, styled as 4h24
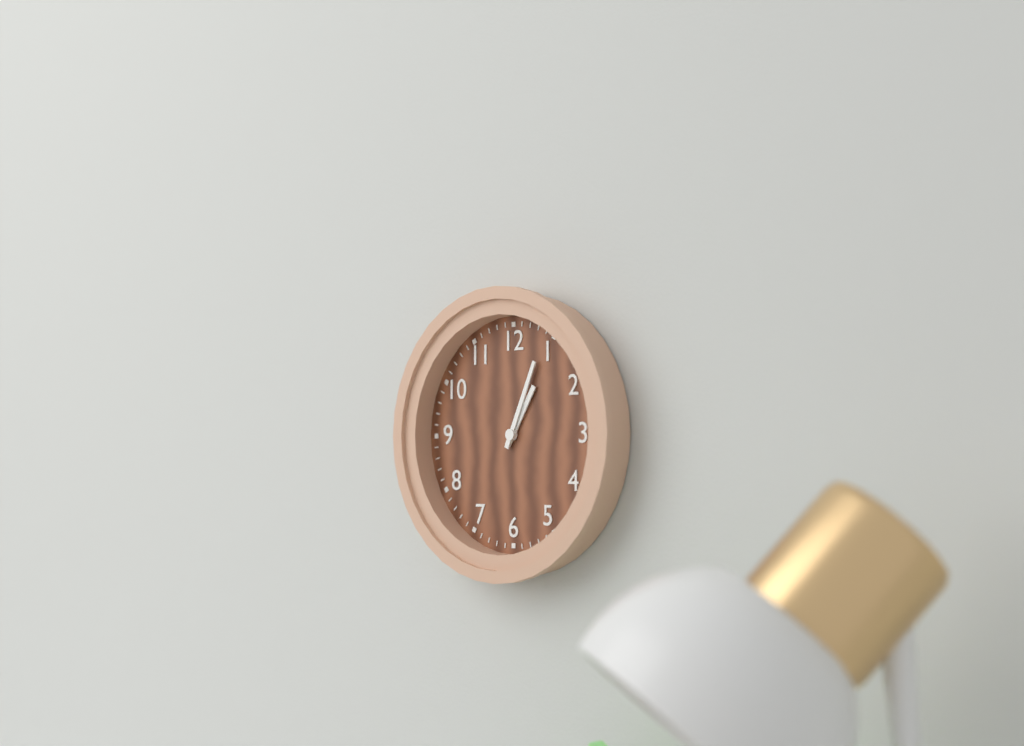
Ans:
1h04
